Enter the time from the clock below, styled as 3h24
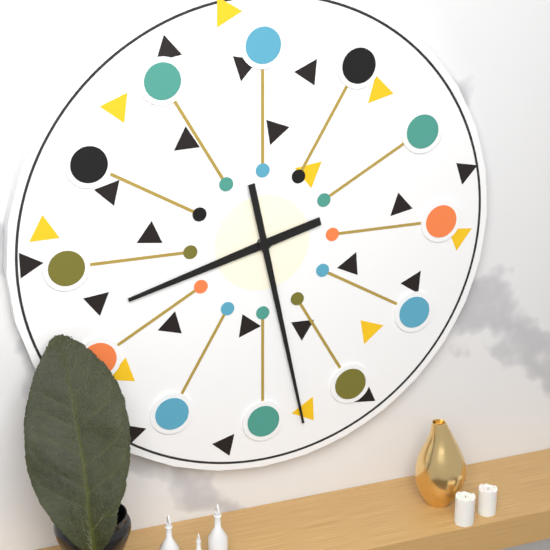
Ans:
8h28
